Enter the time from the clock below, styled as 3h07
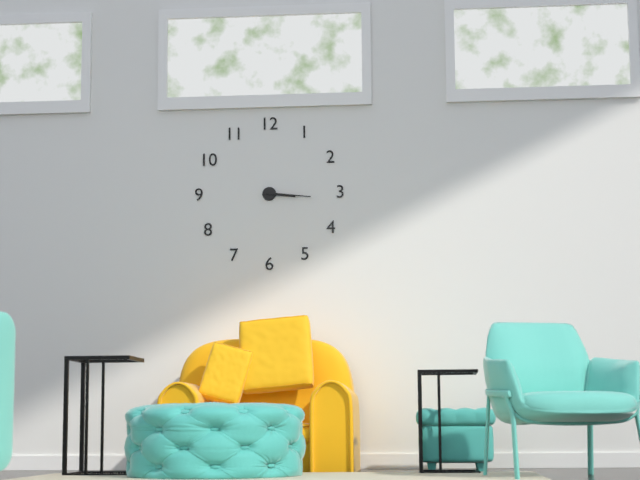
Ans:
3h16
